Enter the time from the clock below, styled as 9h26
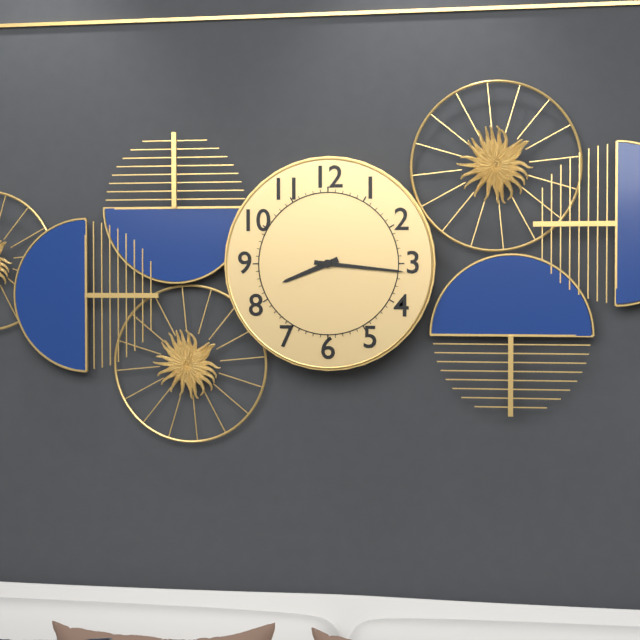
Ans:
8h16
